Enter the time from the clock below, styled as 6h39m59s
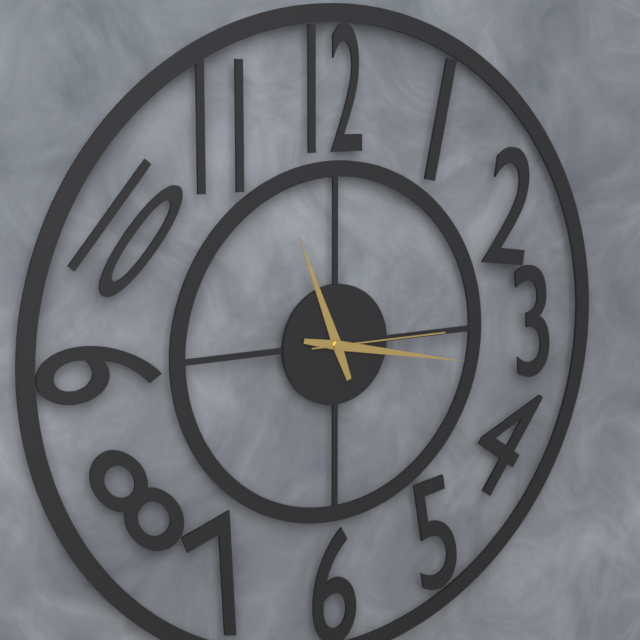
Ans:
11h17m15s
